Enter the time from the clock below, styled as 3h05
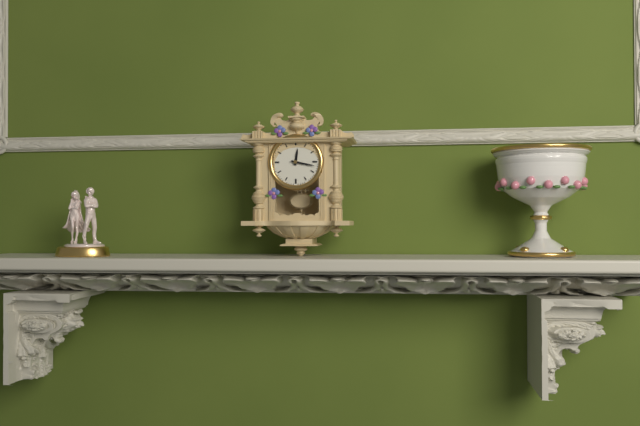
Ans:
12h17
